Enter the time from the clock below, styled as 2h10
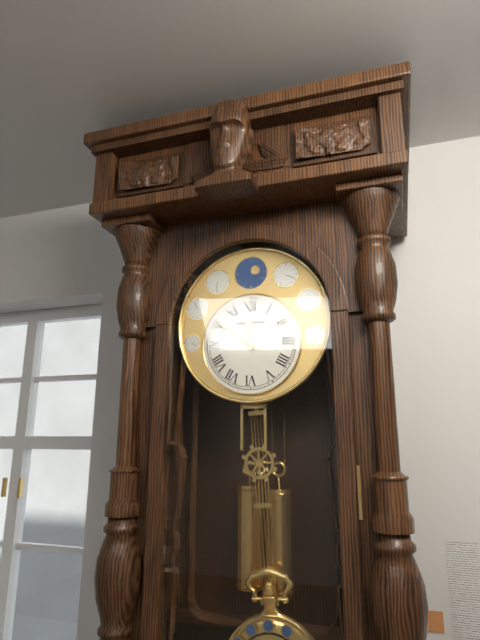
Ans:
11h51
